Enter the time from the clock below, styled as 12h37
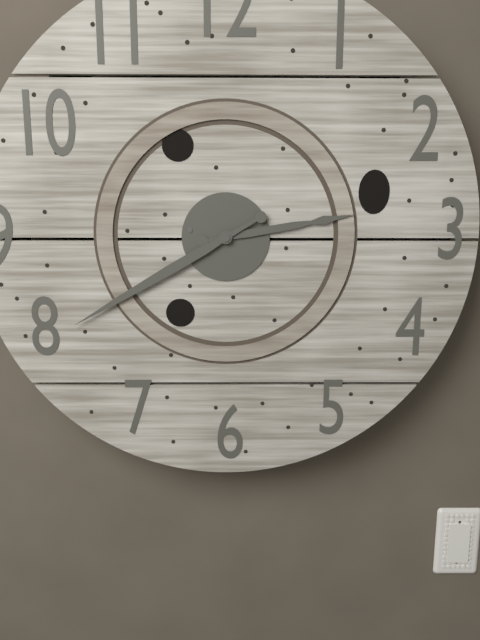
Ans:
2h40
